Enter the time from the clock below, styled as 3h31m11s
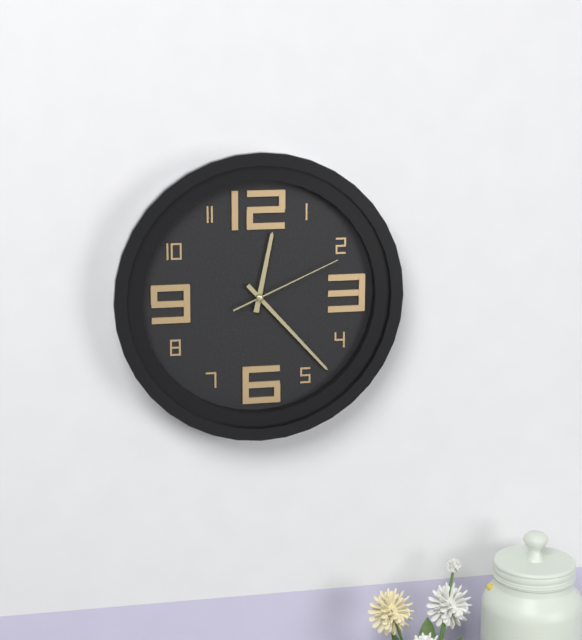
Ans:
12h23m11s
